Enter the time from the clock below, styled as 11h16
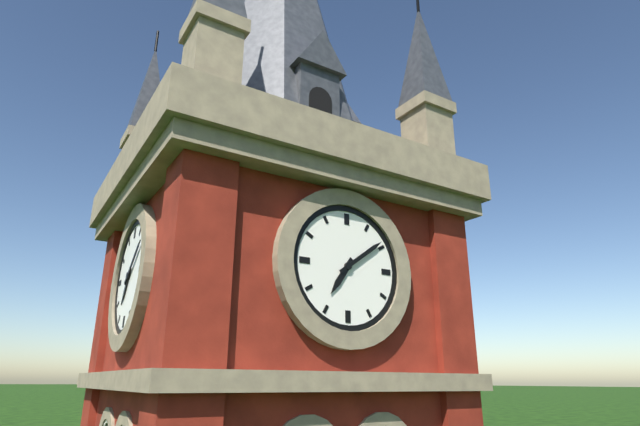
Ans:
7h09
